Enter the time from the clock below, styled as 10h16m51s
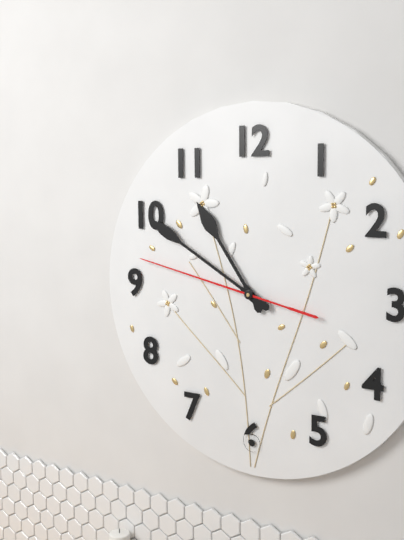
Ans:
10h50m47s
